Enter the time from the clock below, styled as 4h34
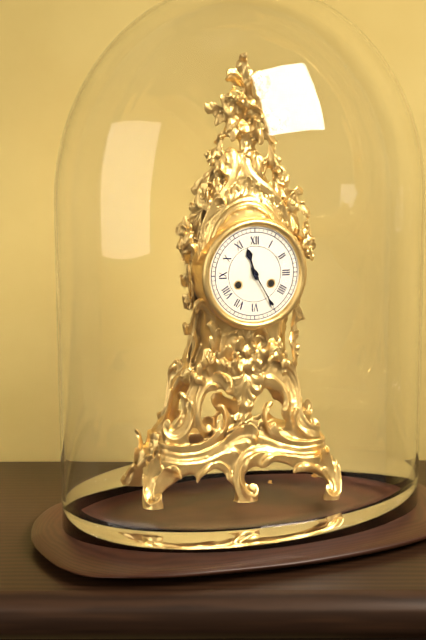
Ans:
11h25
